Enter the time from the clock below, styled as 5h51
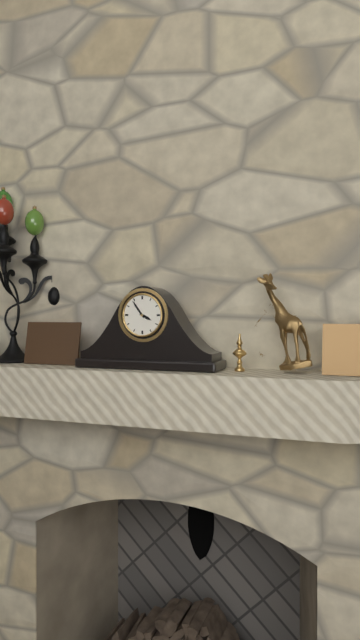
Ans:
3h54
